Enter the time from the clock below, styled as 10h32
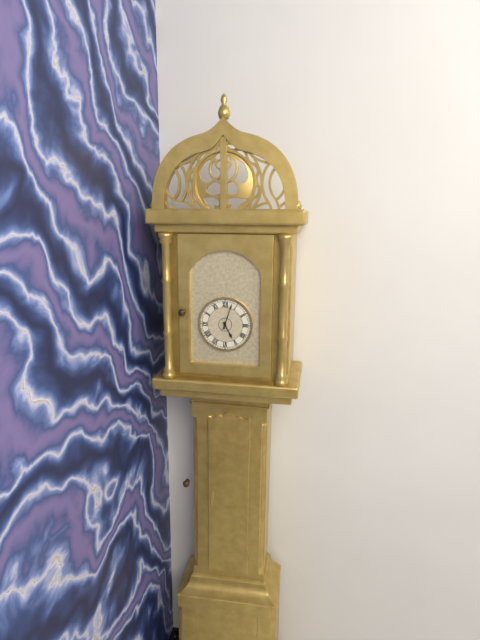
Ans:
5h03
